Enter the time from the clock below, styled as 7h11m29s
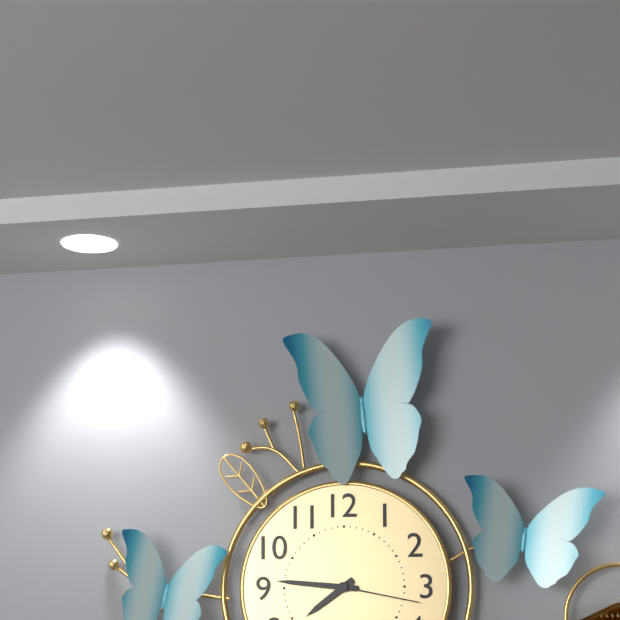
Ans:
7h46m17s
